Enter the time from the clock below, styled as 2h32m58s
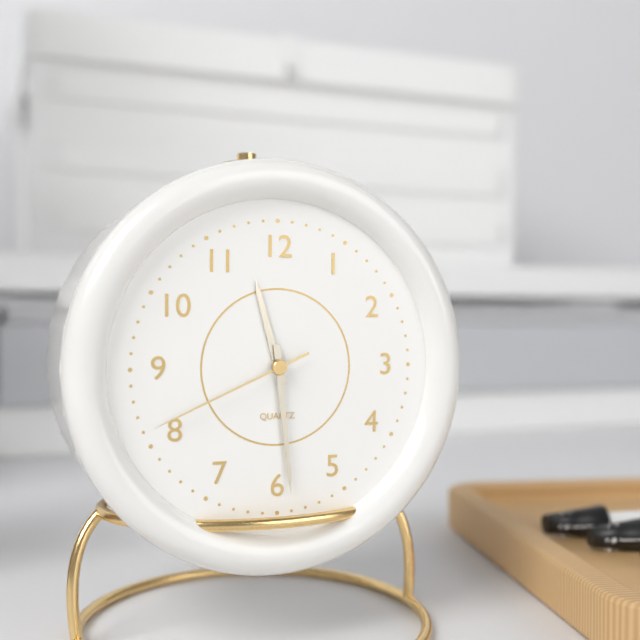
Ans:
11h29m41s
